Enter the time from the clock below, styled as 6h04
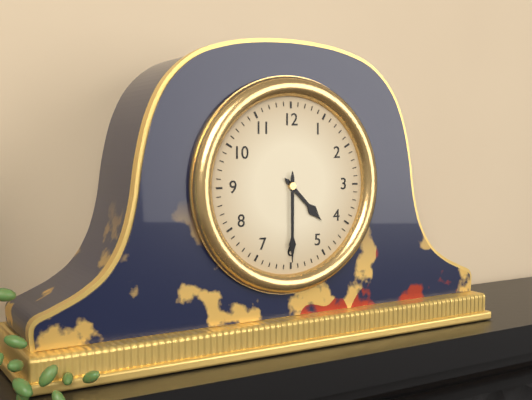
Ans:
4h30
